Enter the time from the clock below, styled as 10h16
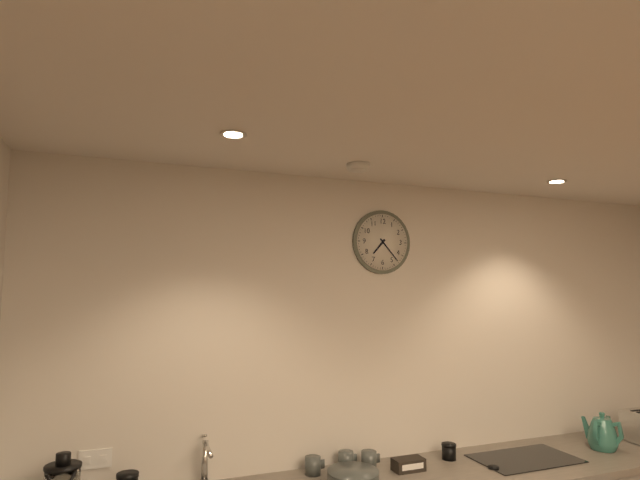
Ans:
7h23
